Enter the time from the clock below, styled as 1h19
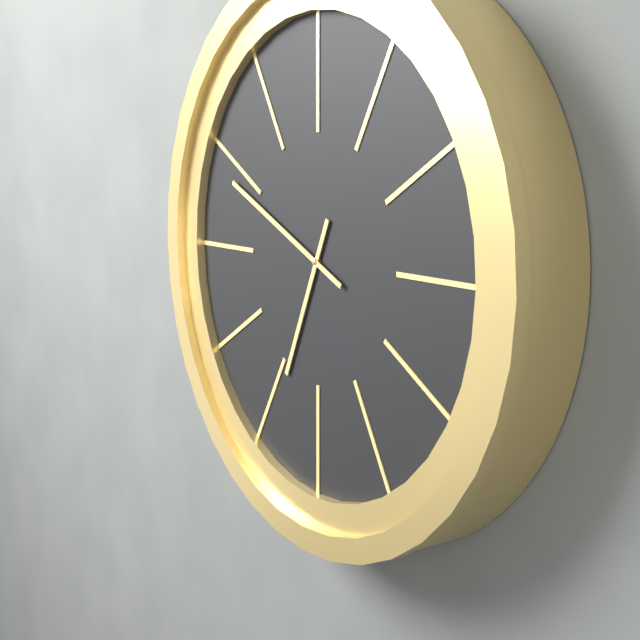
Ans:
6h49
